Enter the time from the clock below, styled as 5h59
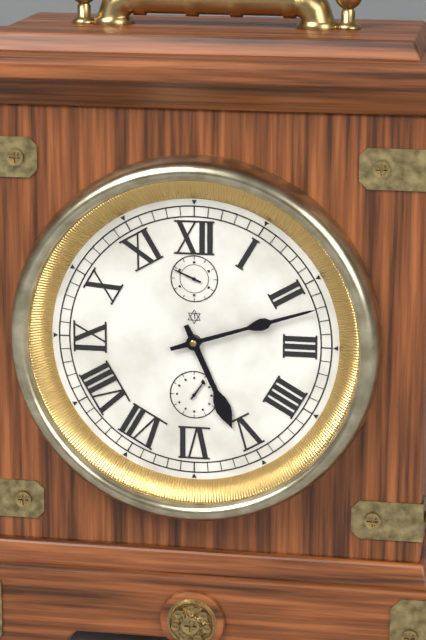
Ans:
5h12
